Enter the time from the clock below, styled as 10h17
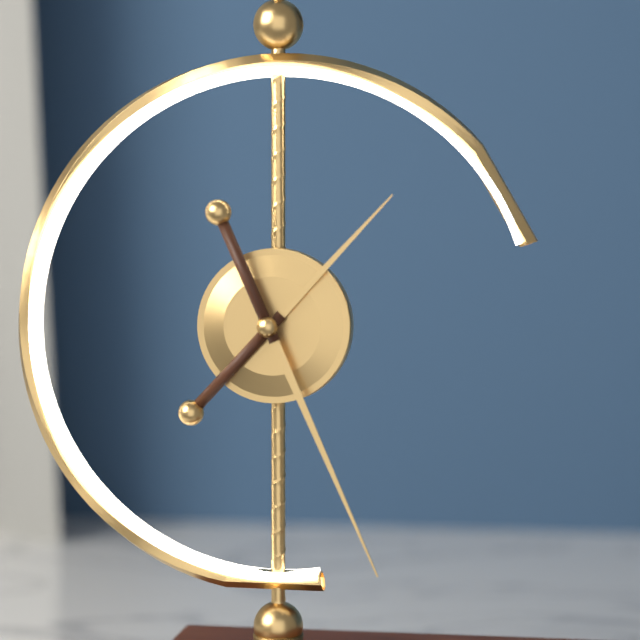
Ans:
1h26
